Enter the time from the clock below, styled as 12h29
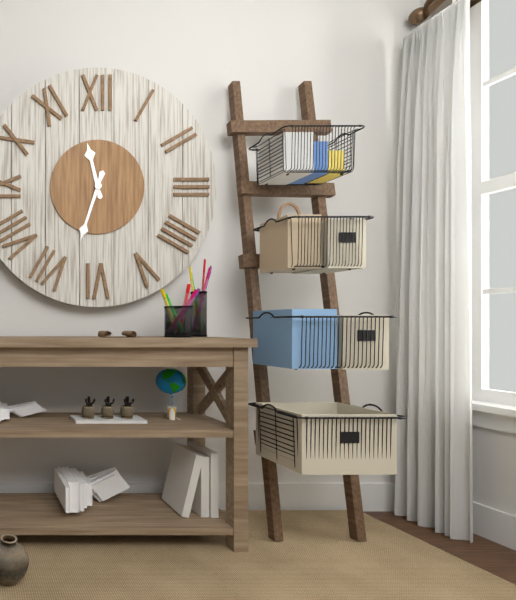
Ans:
11h33
